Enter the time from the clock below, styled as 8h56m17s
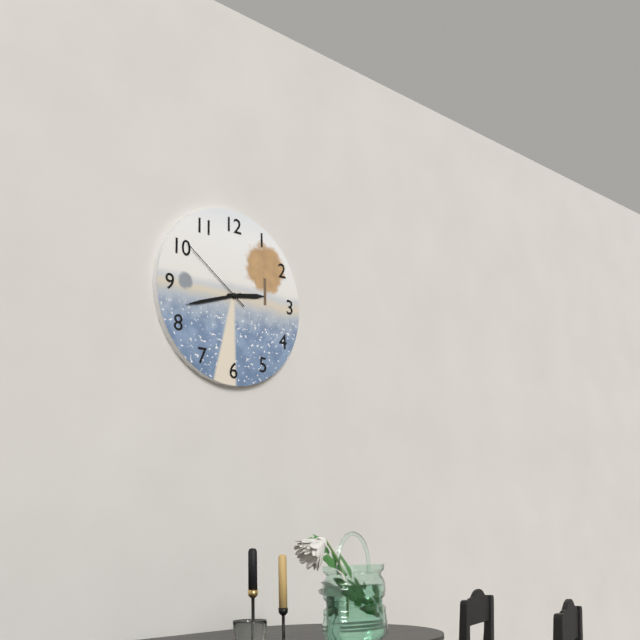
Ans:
2h42m51s
